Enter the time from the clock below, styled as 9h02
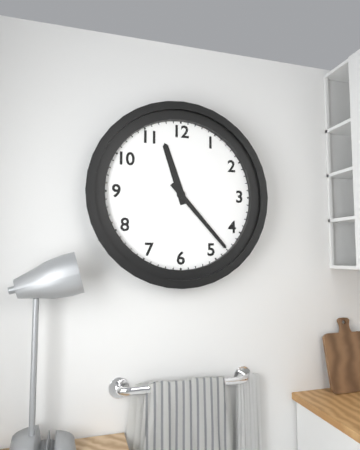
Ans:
11h23
